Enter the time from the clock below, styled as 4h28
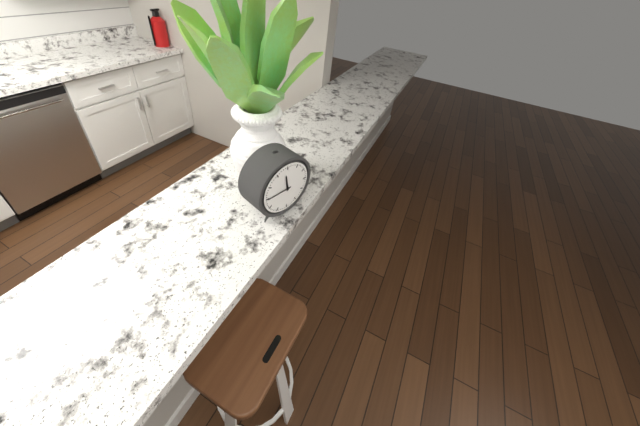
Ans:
11h45
